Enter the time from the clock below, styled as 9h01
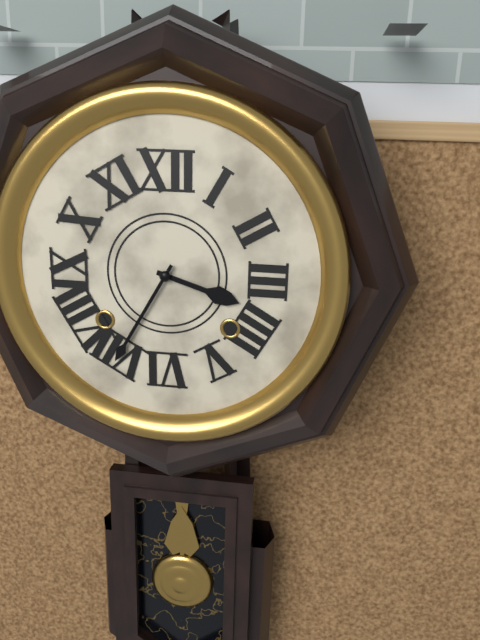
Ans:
3h35
